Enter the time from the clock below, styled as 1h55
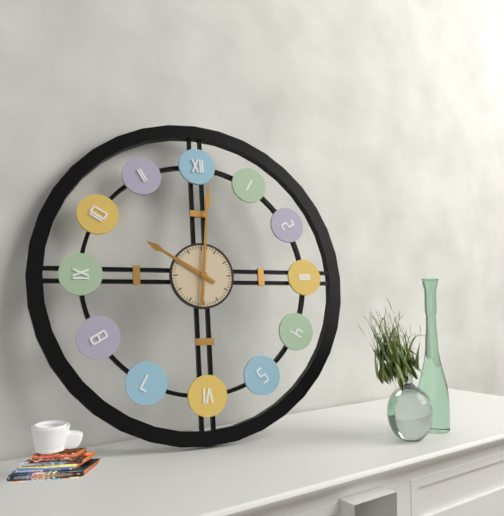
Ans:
10h01
